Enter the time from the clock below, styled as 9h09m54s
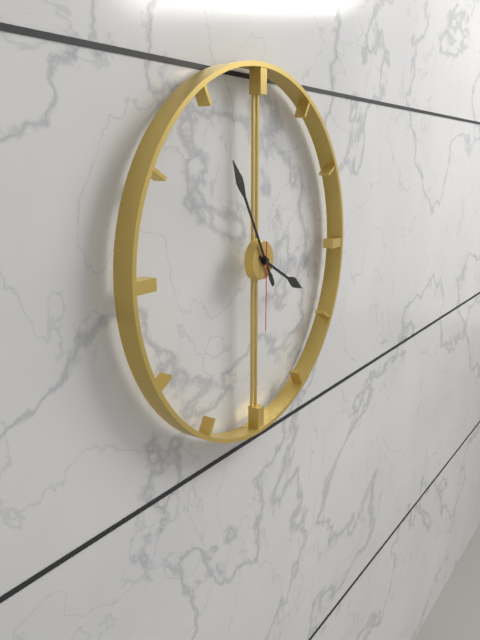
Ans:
3h55m30s
